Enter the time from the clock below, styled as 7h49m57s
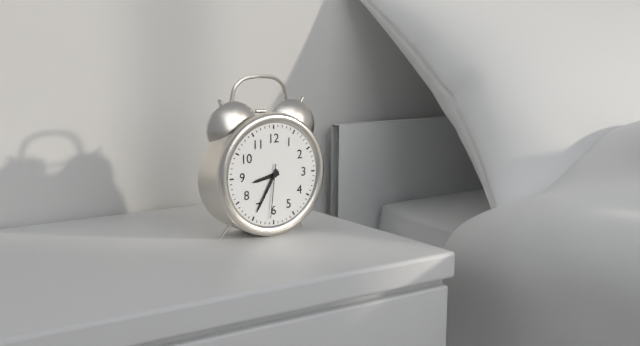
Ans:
8h35m31s
